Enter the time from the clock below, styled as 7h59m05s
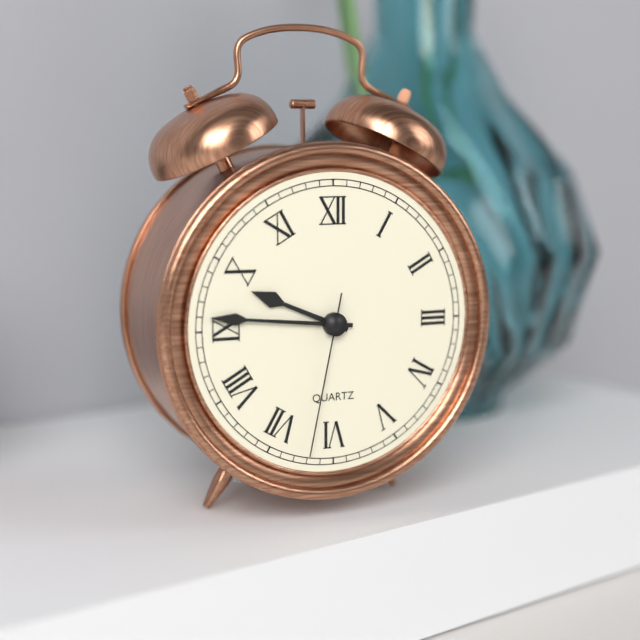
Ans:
9h46m32s
